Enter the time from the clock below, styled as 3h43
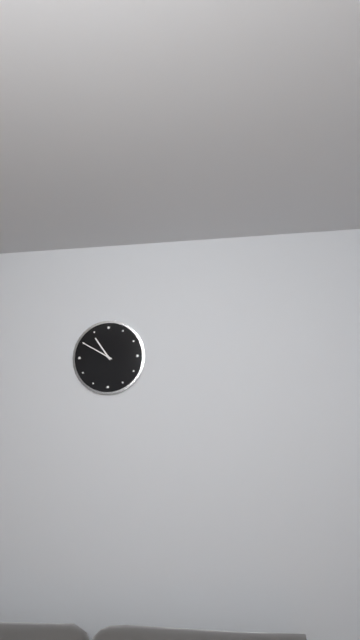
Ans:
10h50
